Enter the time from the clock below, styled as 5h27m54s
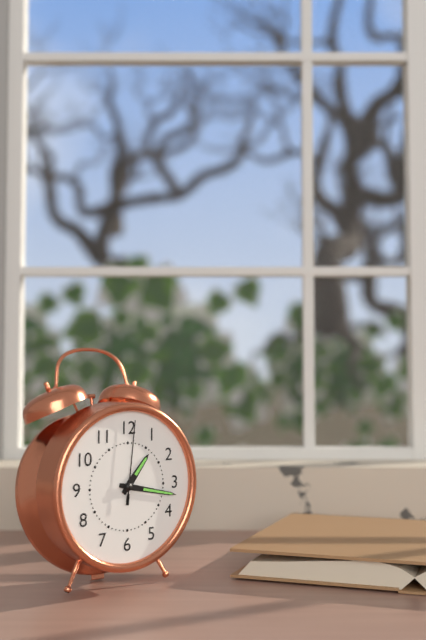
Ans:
1h17m01s
